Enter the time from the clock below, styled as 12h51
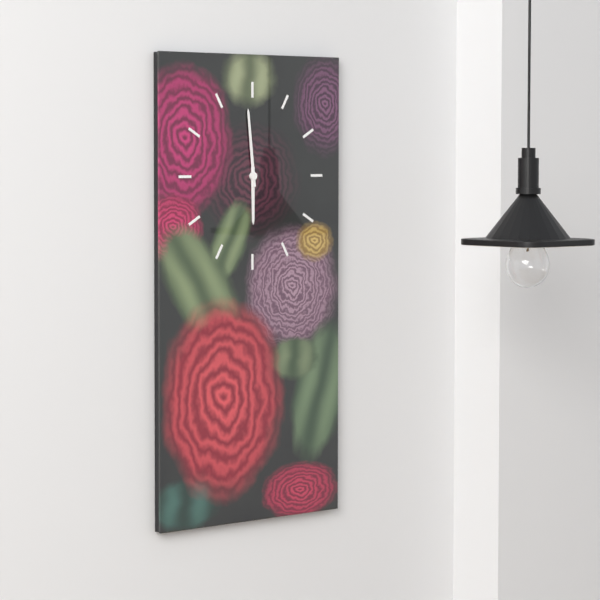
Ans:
5h59
